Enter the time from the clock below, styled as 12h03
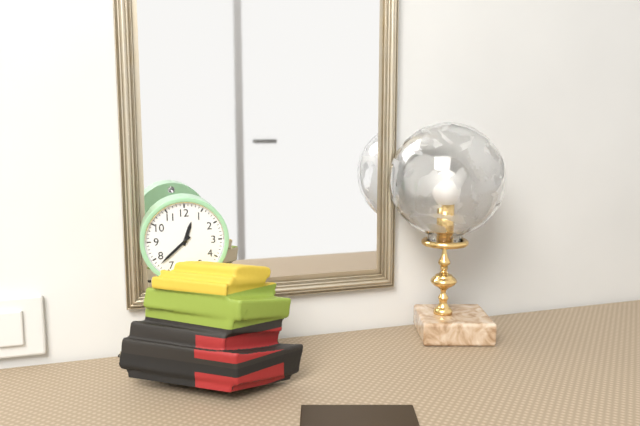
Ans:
12h38
